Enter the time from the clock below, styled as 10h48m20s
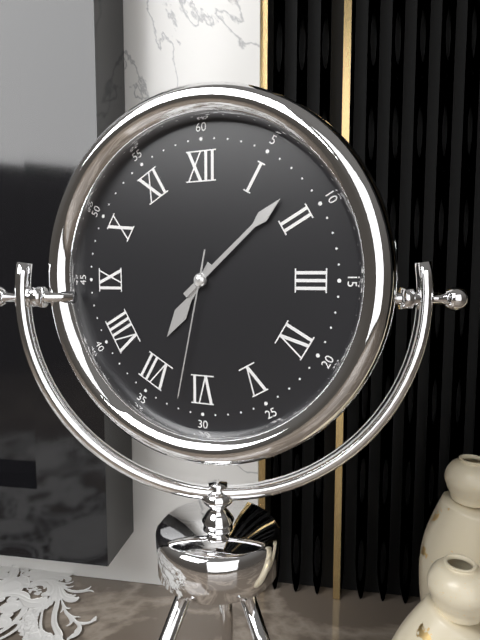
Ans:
7h08m32s
